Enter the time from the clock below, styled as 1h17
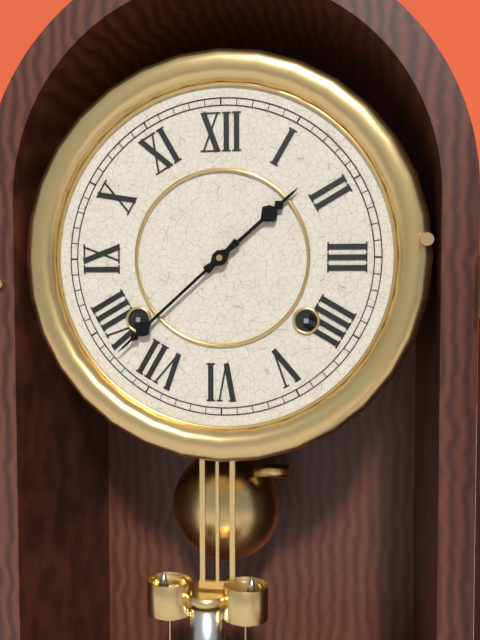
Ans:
1h38
